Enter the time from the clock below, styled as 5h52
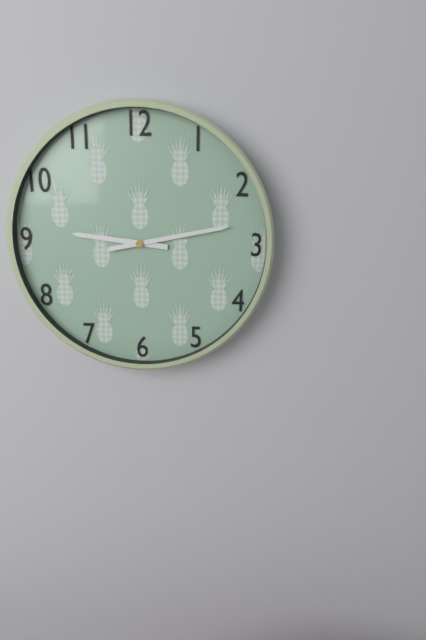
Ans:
9h13
